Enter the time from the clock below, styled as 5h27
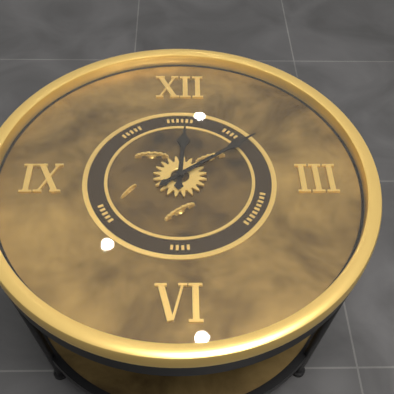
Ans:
12h09
